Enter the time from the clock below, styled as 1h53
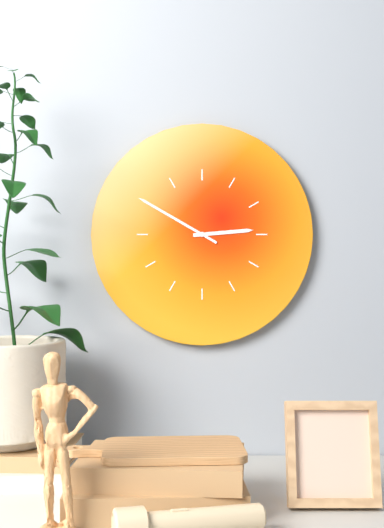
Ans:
2h50
